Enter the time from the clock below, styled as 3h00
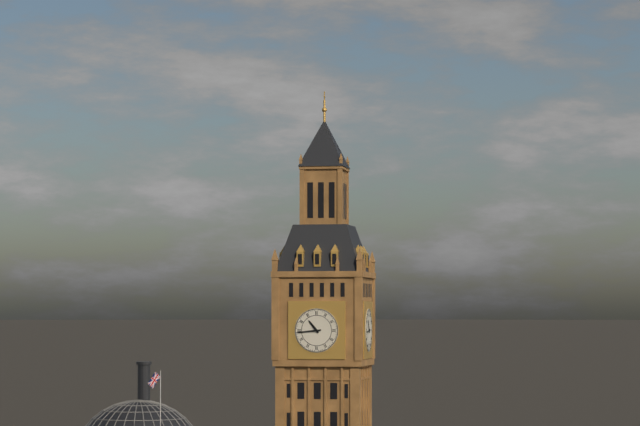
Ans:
10h44
